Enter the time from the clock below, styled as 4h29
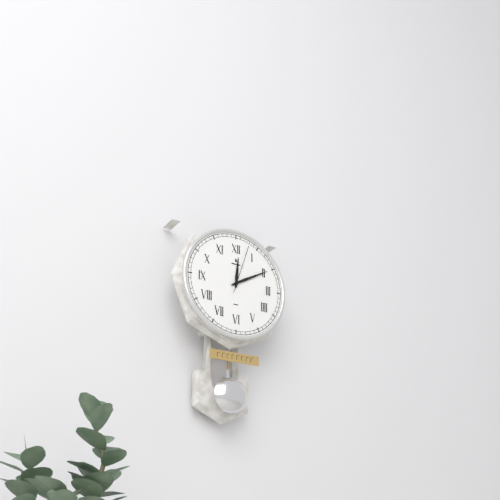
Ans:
12h10
